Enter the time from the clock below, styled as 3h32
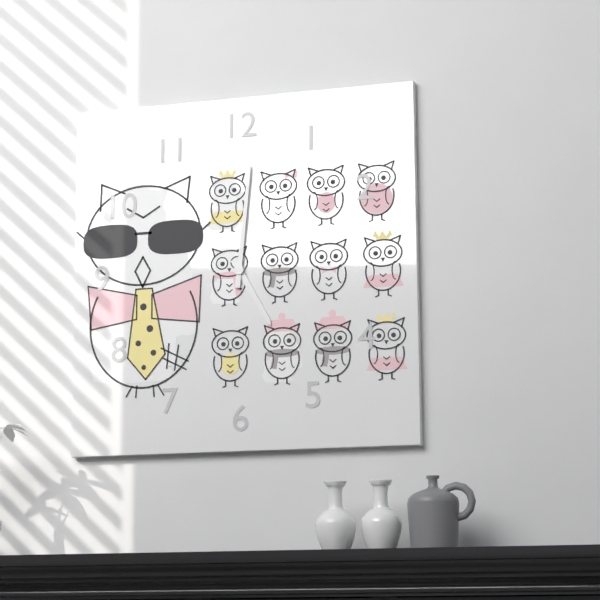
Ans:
5h01
